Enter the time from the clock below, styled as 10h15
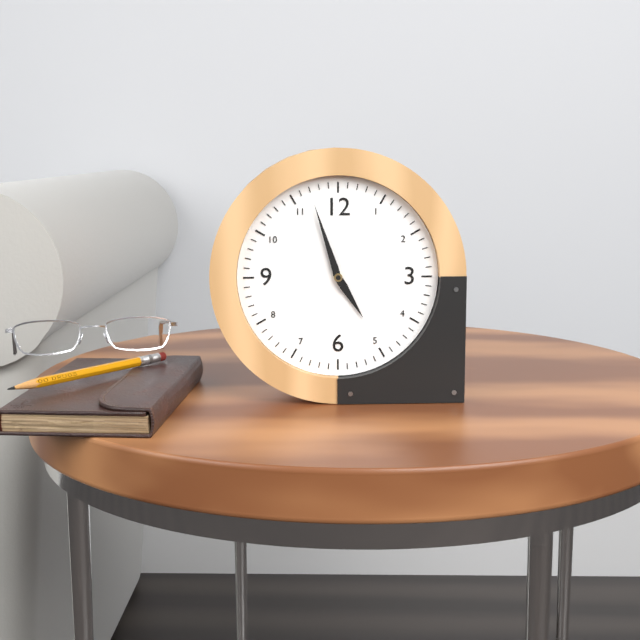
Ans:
4h57
